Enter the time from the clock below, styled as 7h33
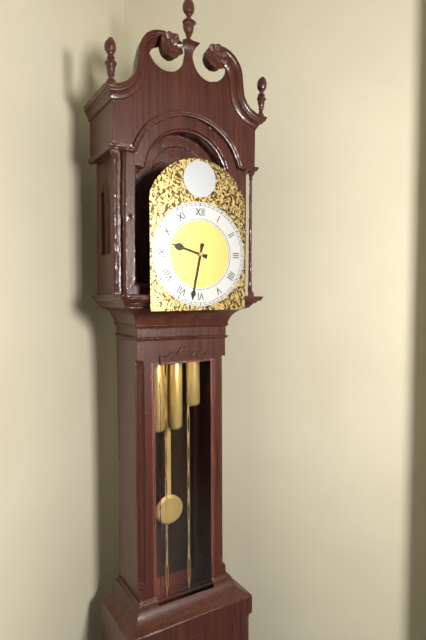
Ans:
9h32
